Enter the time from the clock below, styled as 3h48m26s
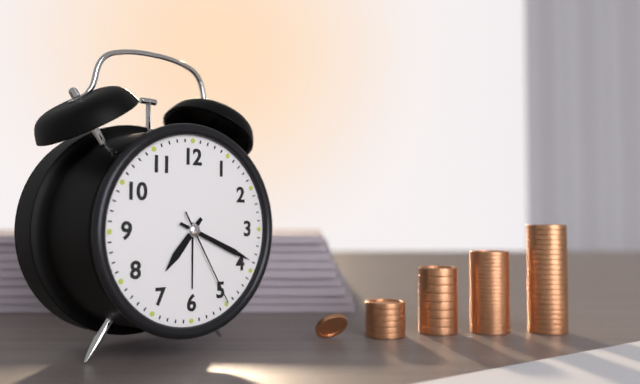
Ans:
7h19m25s
